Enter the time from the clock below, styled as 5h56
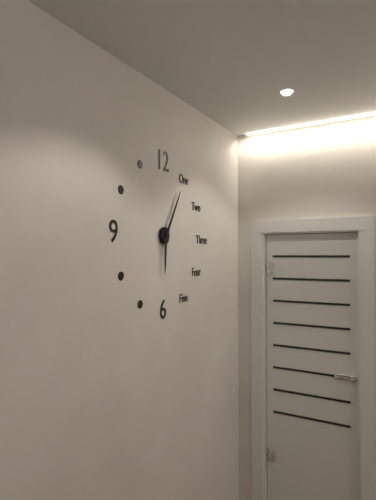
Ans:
6h05
